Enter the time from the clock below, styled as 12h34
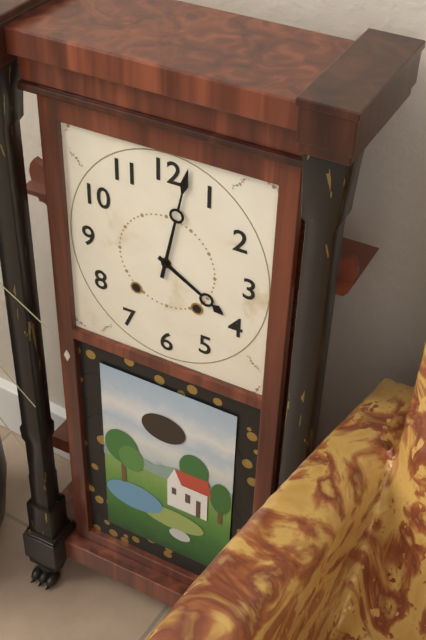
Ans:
4h02
